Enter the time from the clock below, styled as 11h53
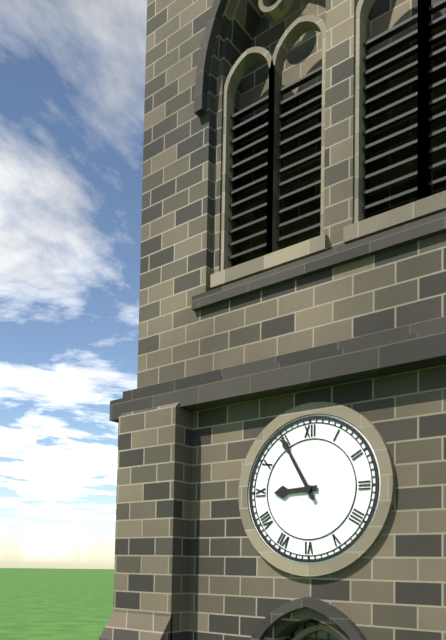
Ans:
8h55
